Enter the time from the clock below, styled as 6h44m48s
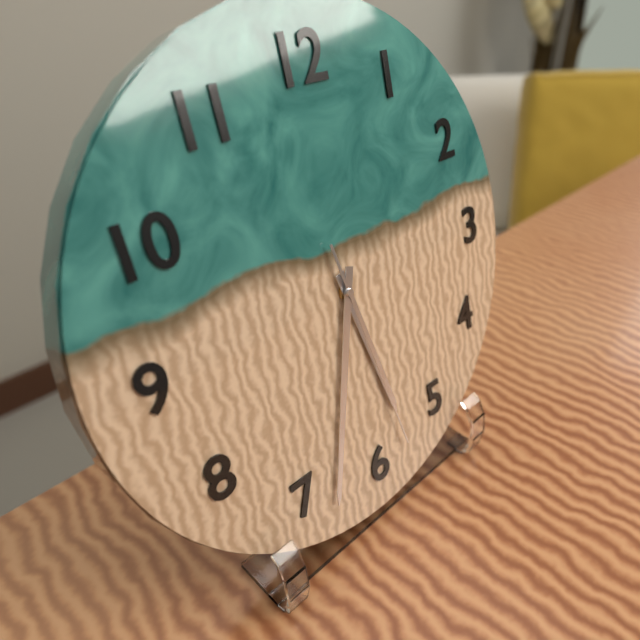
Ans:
5h33m28s
